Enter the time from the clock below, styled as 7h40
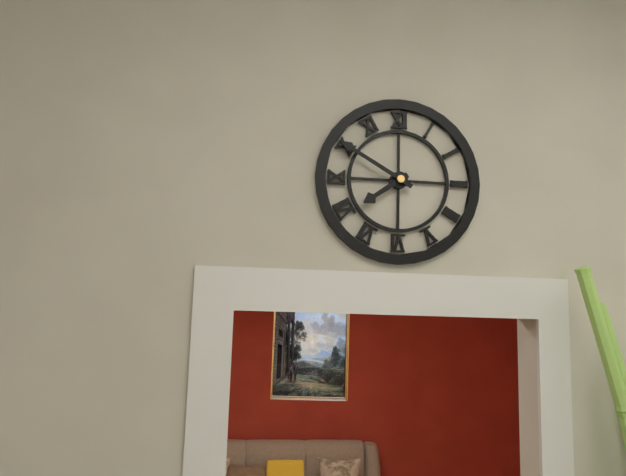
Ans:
7h50
